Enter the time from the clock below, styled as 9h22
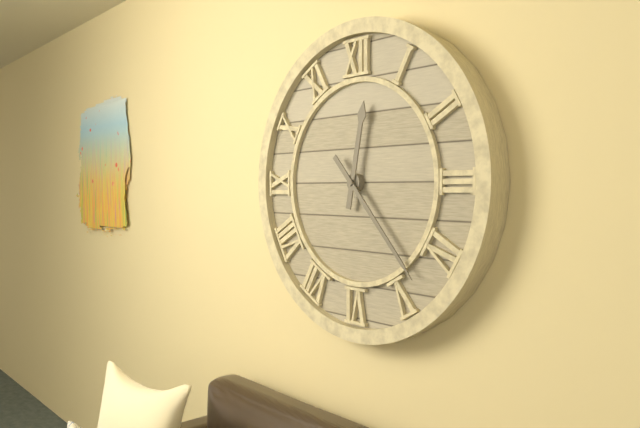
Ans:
12h23
